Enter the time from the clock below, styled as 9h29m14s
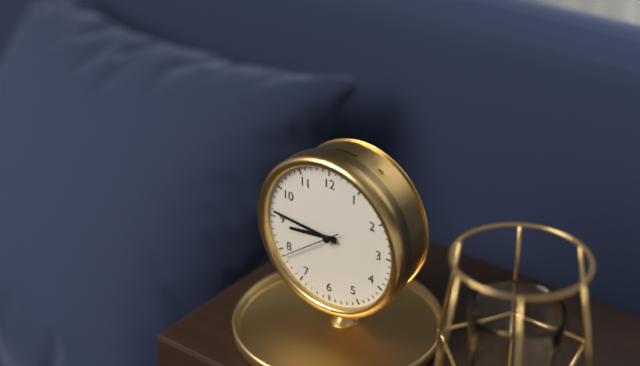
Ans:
8h46m39s
